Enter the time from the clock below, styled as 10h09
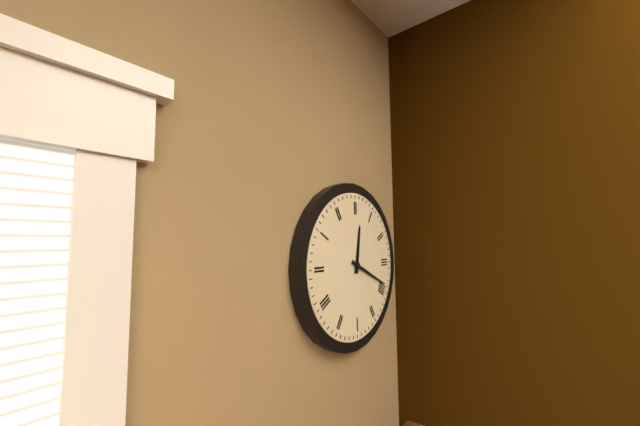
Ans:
12h19
